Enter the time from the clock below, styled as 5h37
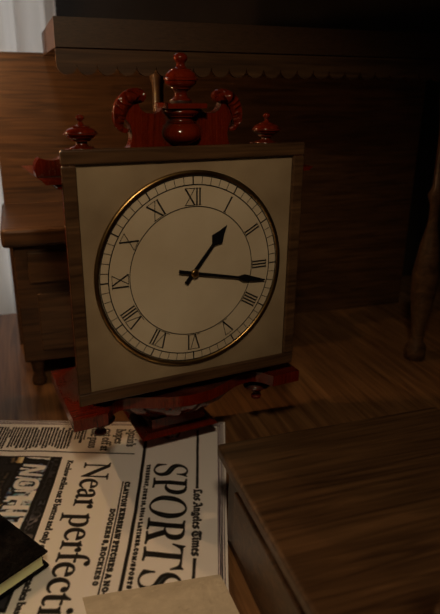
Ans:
1h17
